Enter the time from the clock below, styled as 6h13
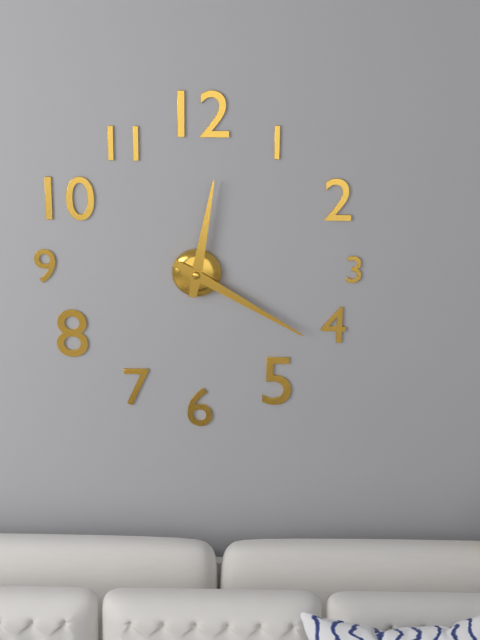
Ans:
12h20
